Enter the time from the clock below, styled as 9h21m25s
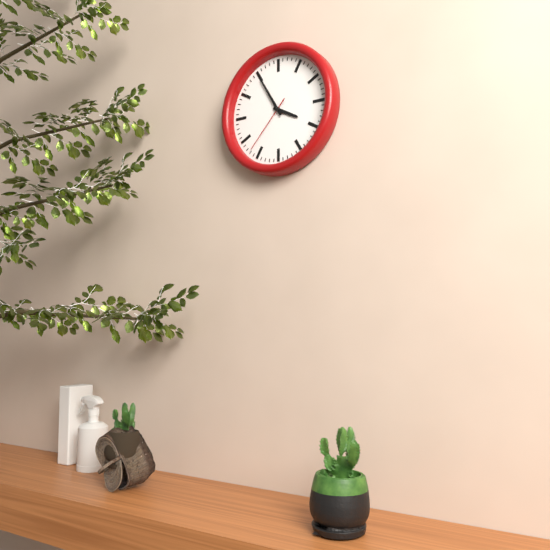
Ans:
3h55m37s
